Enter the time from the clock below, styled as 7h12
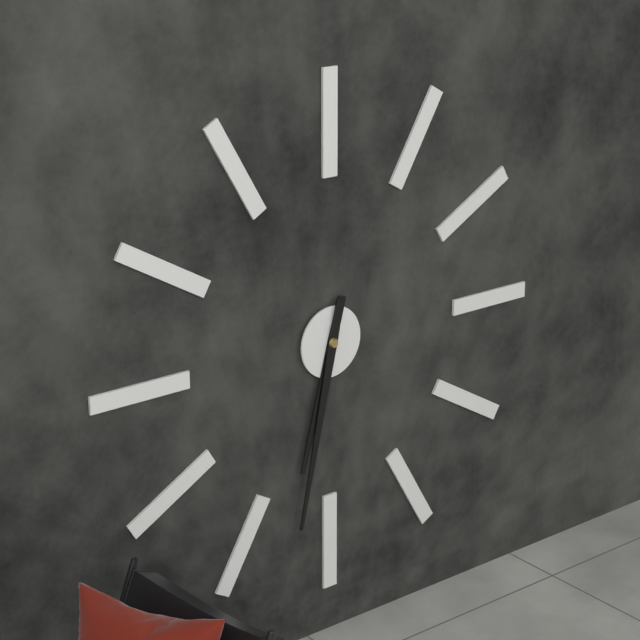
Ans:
6h32
